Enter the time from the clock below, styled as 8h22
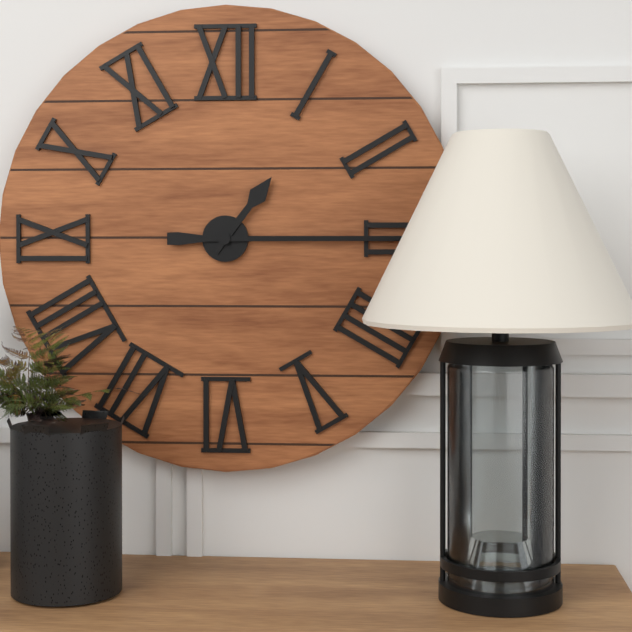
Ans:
1h15
